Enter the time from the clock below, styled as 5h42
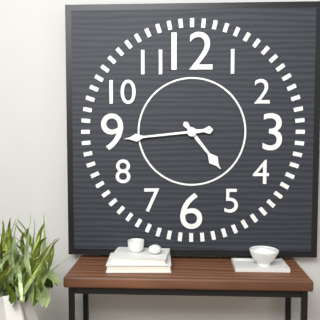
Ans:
4h44
